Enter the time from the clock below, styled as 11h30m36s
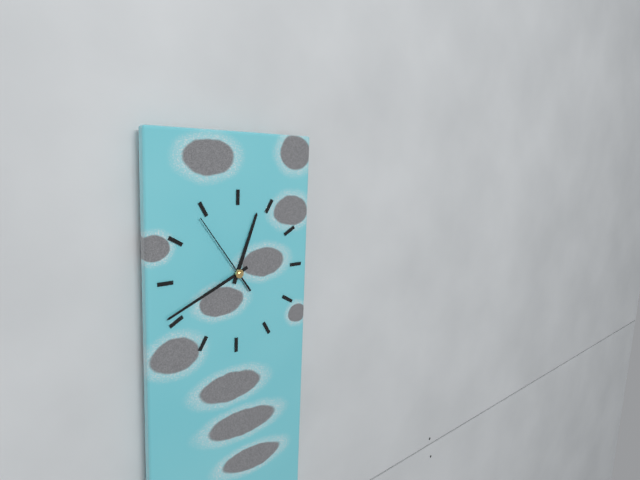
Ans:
12h41m54s
